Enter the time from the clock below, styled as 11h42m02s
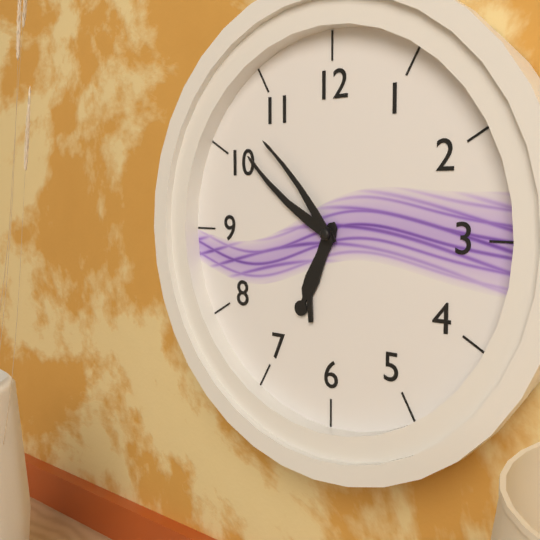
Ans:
6h51m53s
